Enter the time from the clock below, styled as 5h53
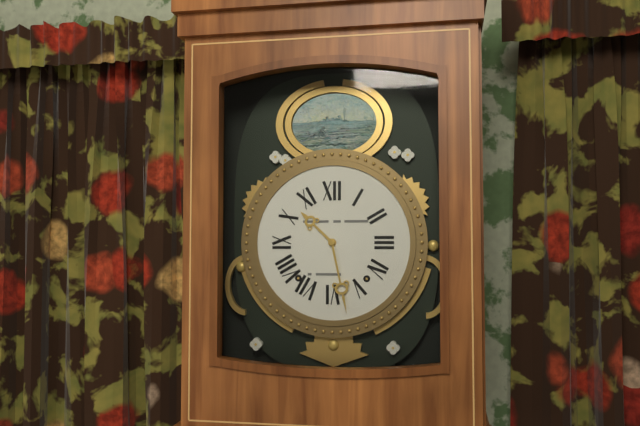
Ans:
10h28
